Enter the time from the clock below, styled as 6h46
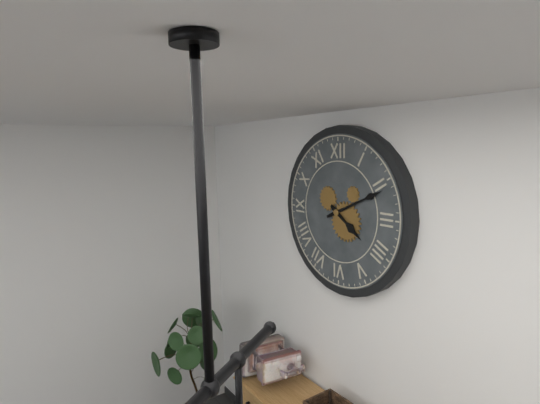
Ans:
4h11
